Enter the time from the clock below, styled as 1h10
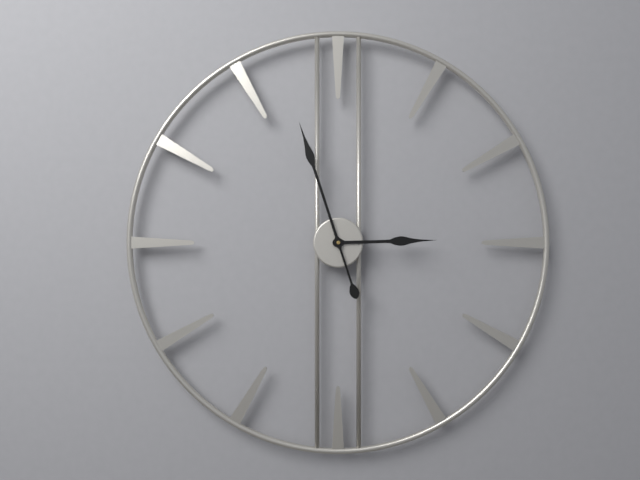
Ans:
2h57
